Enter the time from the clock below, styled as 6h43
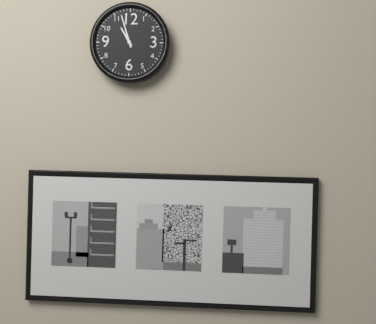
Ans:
10h57
